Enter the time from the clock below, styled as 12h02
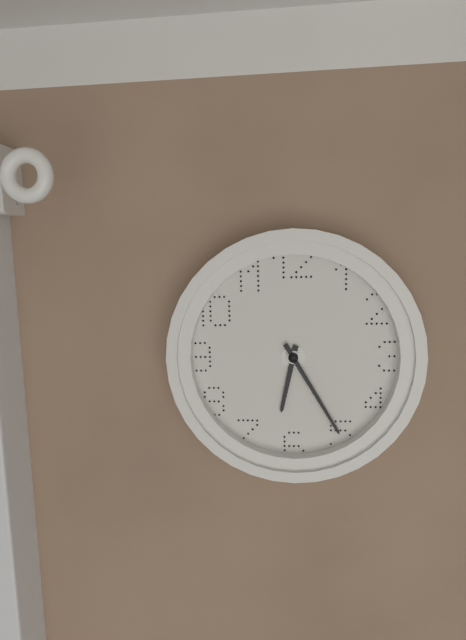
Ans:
6h25
